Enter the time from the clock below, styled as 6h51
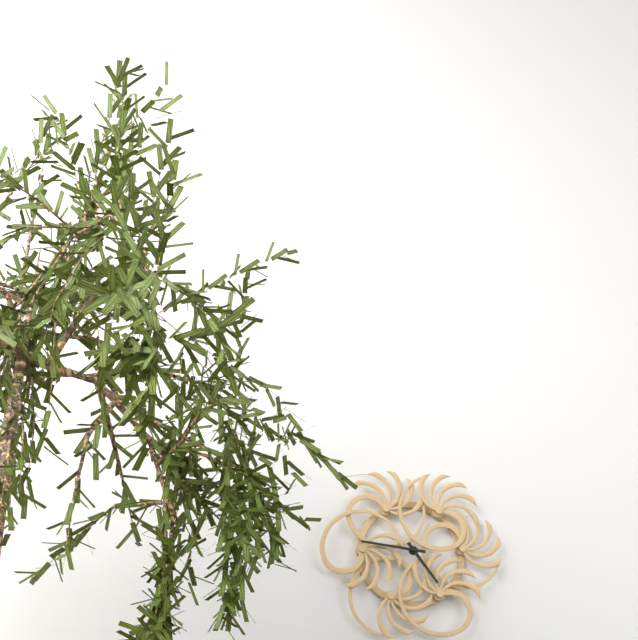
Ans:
4h46
